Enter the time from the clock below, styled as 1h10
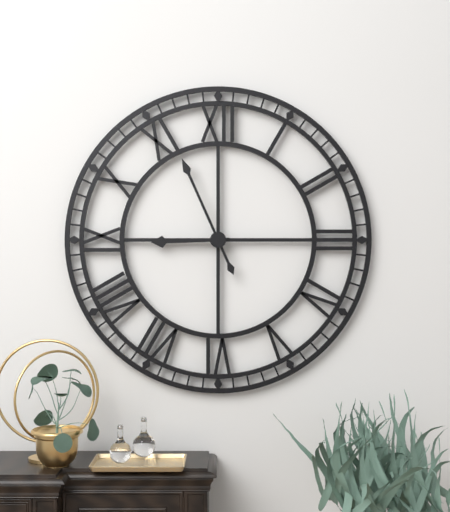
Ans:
8h56
